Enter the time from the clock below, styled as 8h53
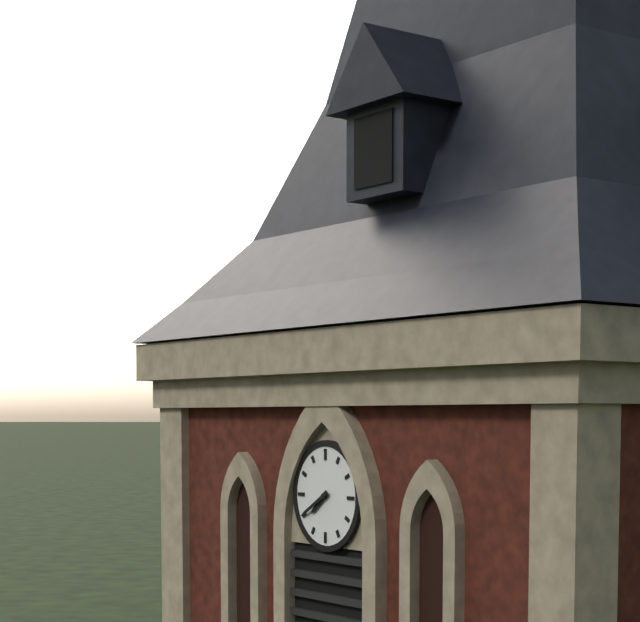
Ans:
7h40
